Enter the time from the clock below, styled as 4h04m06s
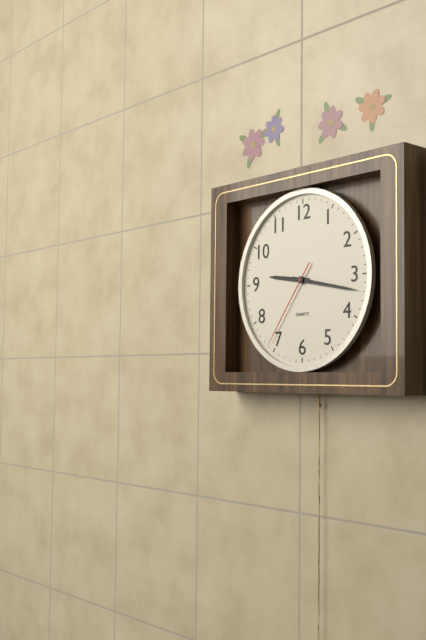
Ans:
9h17m36s
